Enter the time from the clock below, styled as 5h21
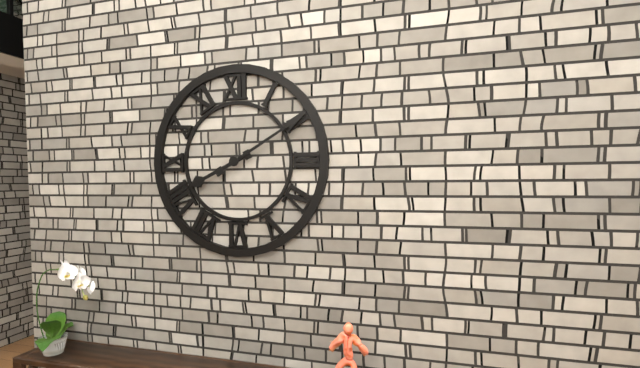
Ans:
8h10
